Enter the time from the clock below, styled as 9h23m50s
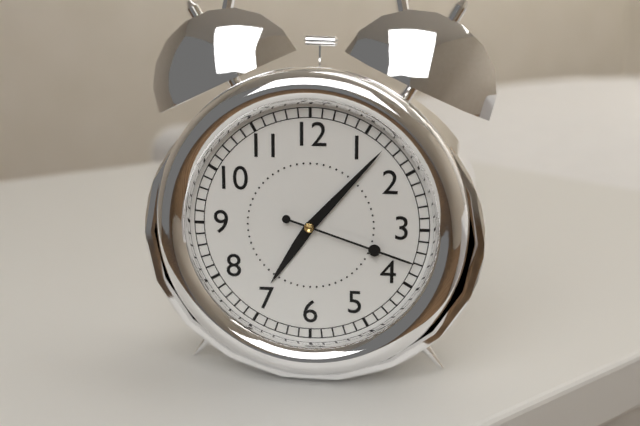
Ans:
7h07m18s
